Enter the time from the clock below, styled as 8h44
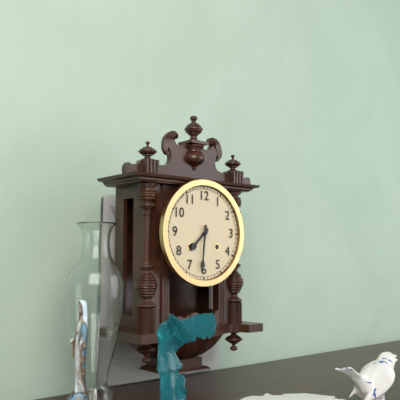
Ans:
7h31
